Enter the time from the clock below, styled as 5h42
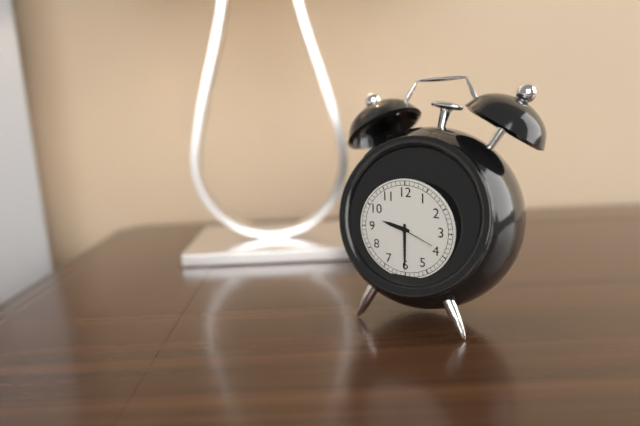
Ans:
9h30
